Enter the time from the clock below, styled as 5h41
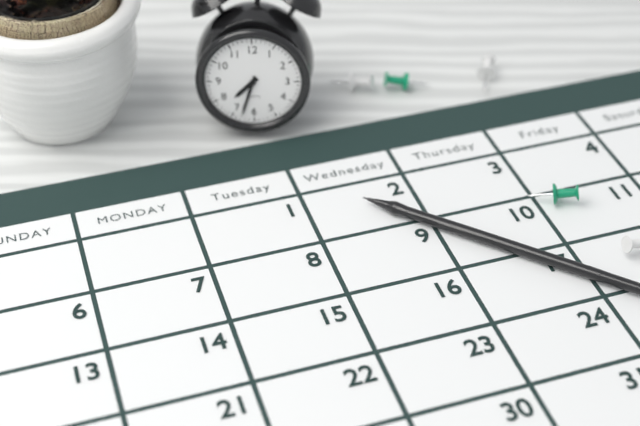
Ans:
7h33
